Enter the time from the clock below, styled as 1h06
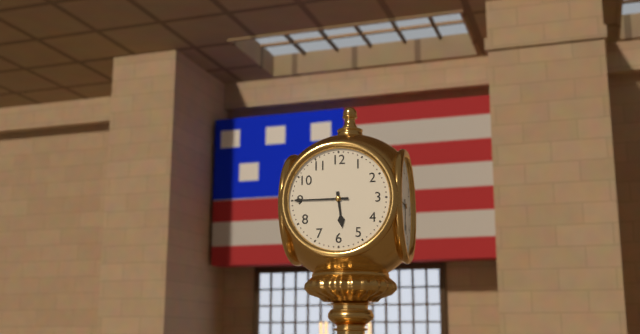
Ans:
5h45
